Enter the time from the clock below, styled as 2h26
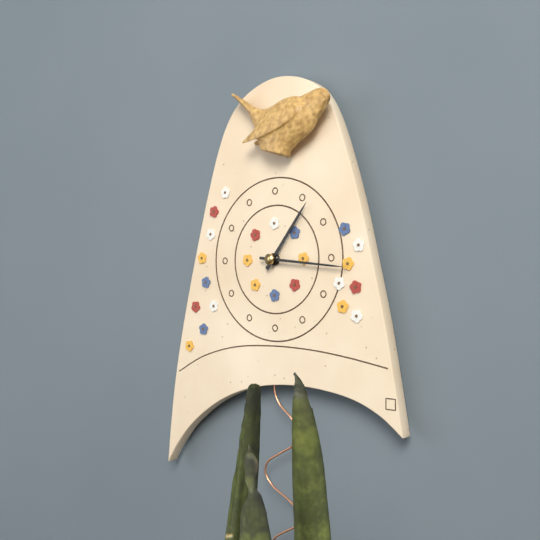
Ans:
1h16
